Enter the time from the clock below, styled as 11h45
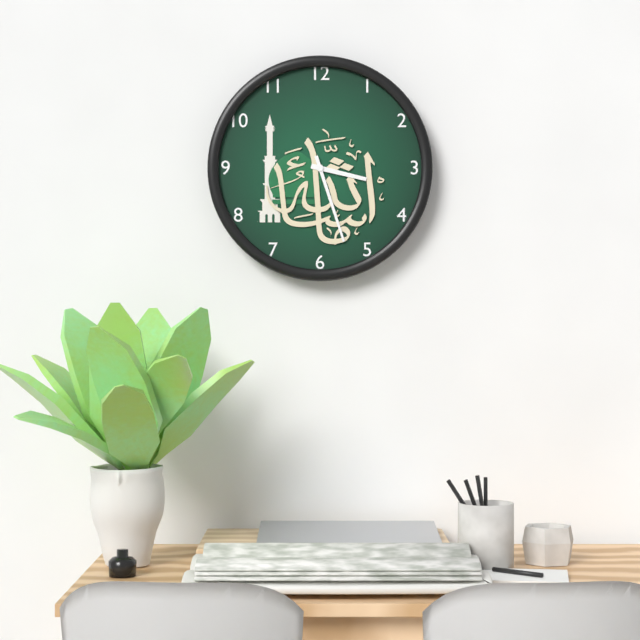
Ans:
3h27
